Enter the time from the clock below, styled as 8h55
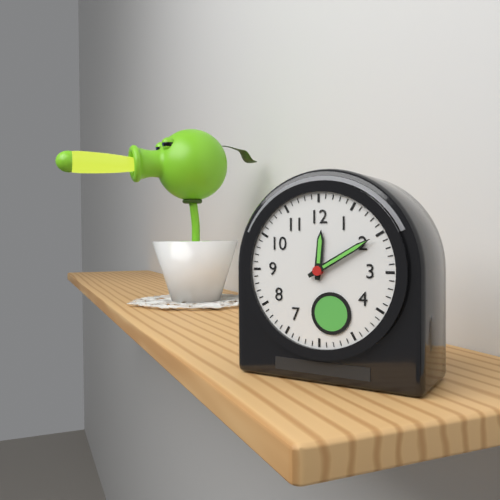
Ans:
12h10
